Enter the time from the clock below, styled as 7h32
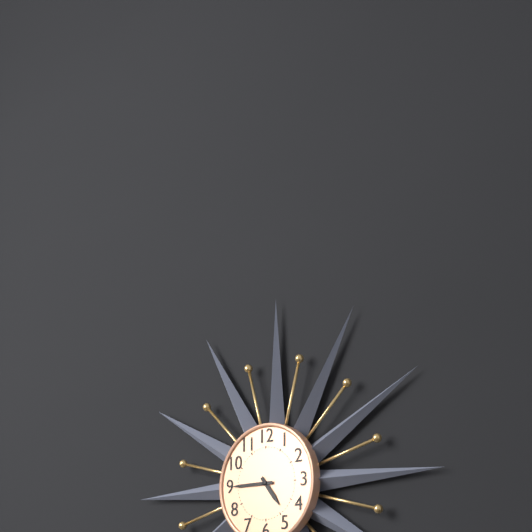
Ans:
4h45
